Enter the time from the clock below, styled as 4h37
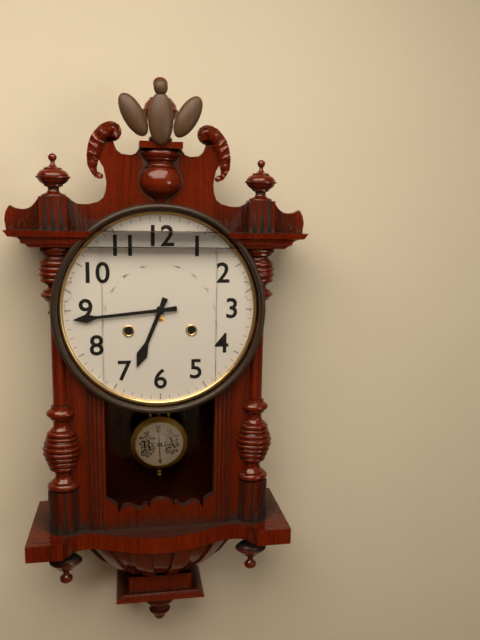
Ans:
6h44
